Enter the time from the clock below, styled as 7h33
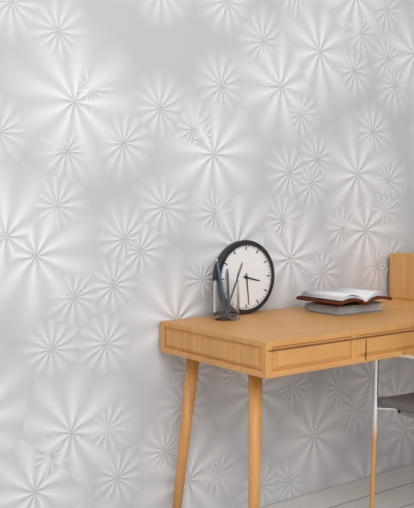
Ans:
3h29
